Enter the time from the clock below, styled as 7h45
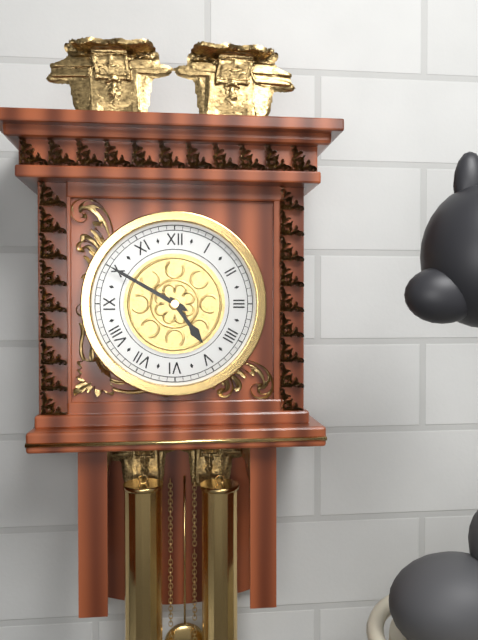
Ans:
4h50
